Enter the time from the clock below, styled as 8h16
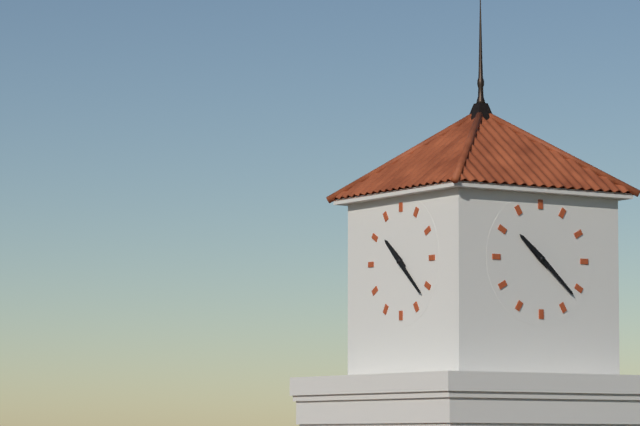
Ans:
10h22
